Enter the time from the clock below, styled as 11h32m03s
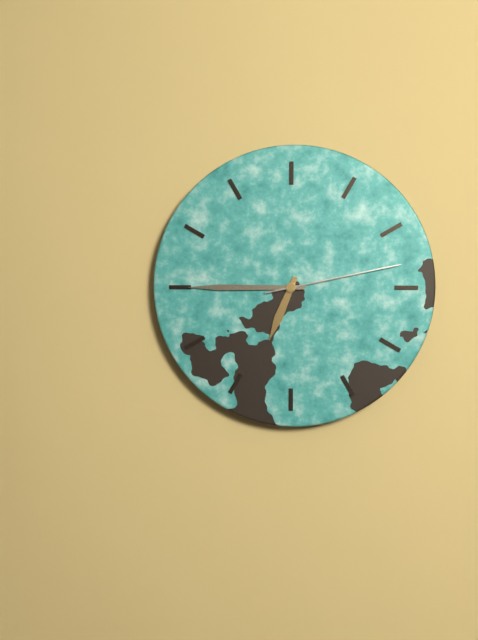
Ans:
6h45m13s
